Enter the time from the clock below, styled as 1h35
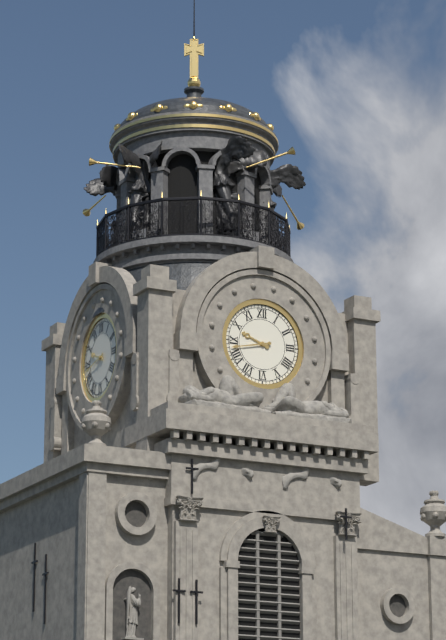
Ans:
9h43
